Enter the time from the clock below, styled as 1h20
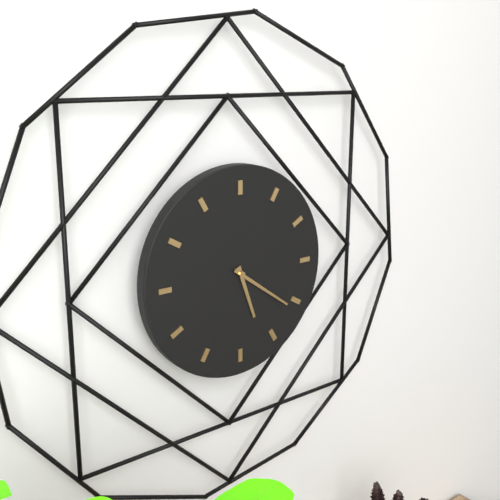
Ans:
5h21
